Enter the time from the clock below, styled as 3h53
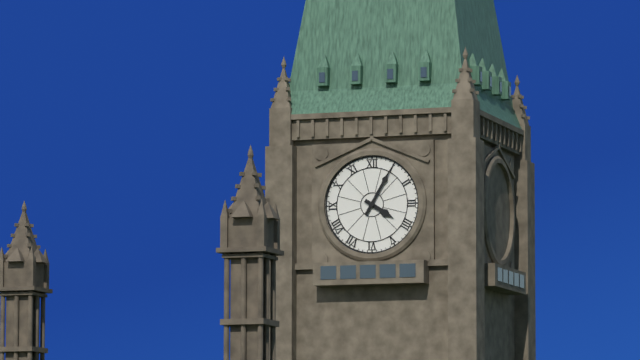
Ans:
4h05
